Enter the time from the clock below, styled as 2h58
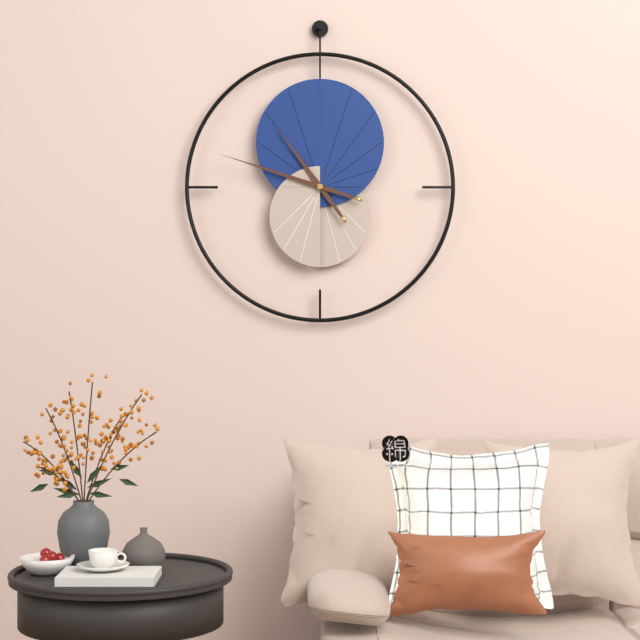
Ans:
10h48
